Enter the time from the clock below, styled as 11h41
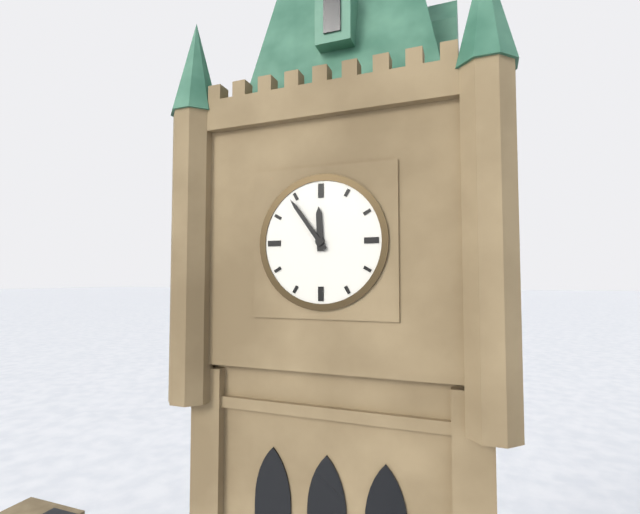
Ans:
11h54
